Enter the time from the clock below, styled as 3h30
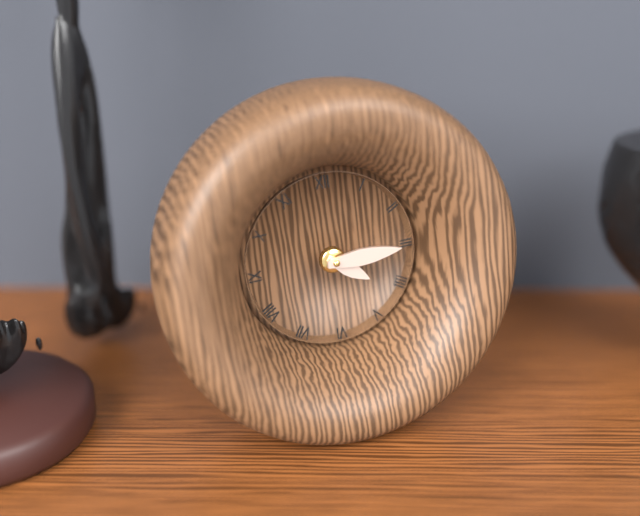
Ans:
4h15
